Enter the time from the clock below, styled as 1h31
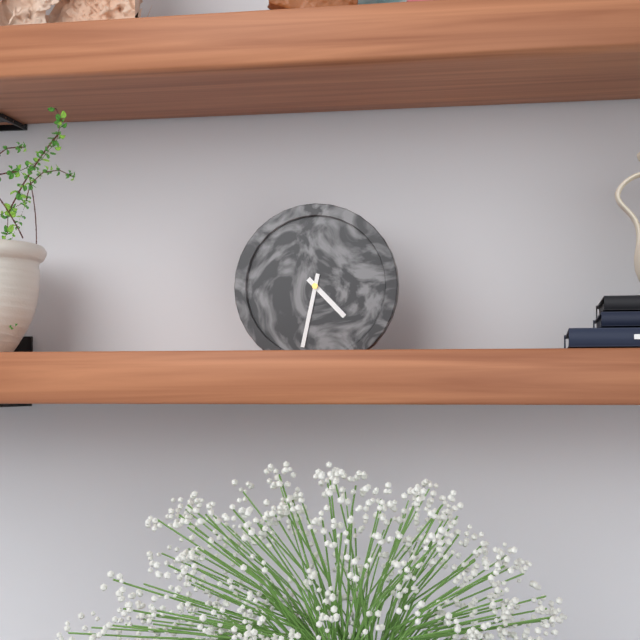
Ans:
4h32
